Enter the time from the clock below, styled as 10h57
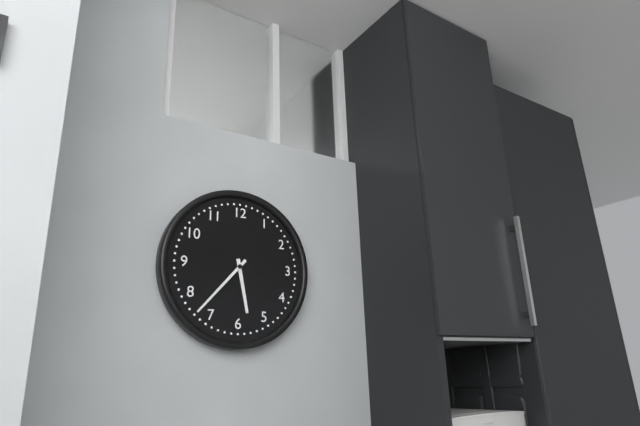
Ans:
5h37
